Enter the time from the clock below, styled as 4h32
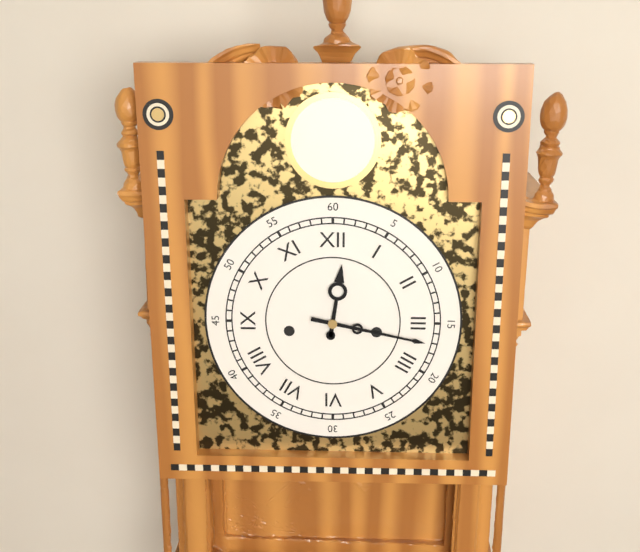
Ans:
12h17
